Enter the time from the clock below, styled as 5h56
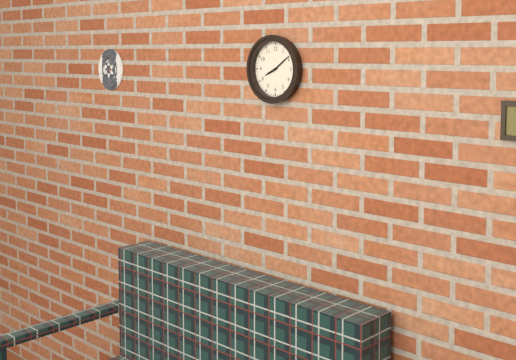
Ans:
8h09
